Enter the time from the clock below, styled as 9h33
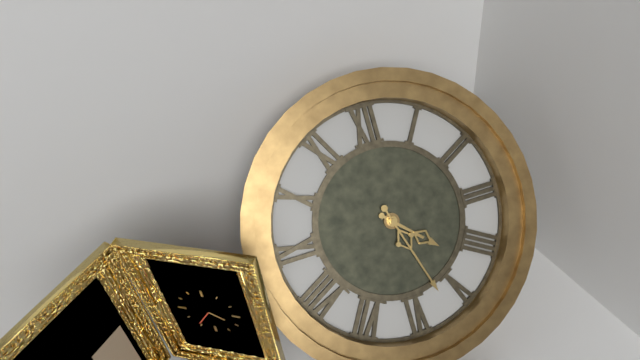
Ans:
4h27
